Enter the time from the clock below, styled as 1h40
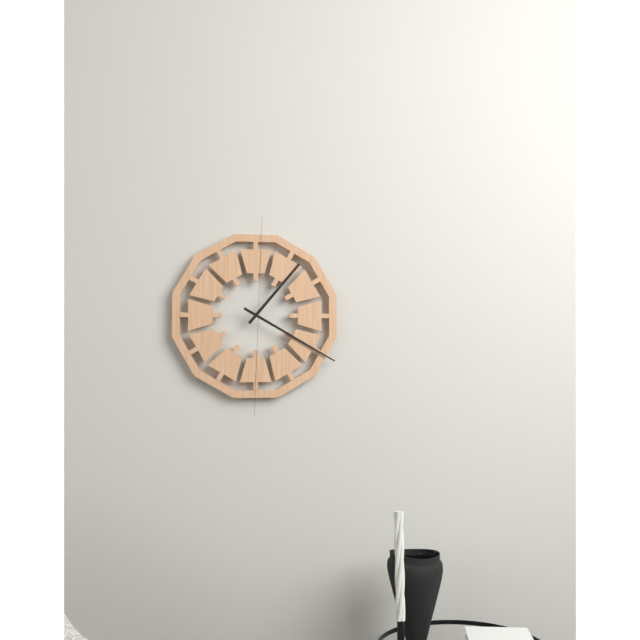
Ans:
1h20
